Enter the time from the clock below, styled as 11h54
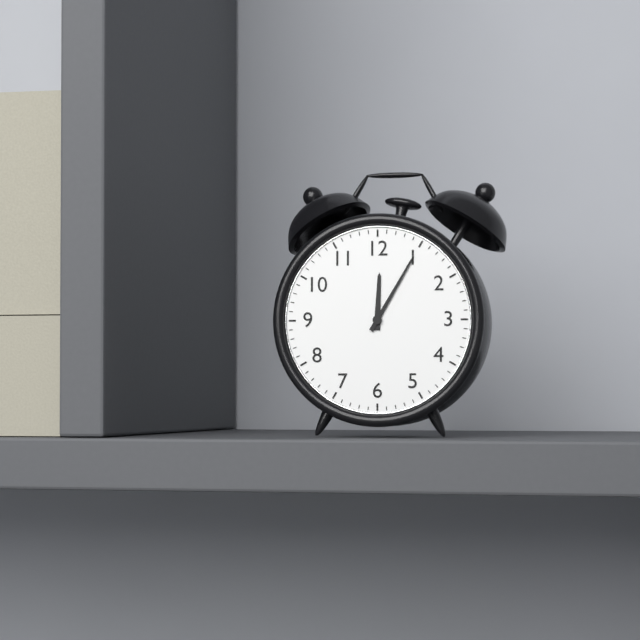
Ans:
12h05
